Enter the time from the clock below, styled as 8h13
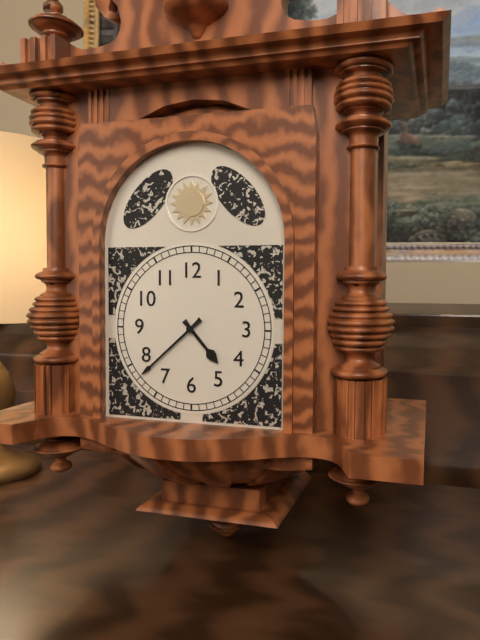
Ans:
4h38
